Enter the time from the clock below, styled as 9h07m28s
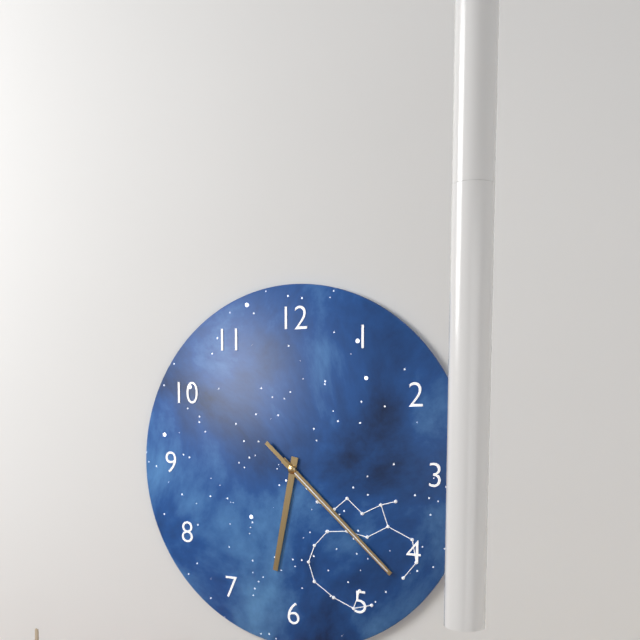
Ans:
6h22m22s
